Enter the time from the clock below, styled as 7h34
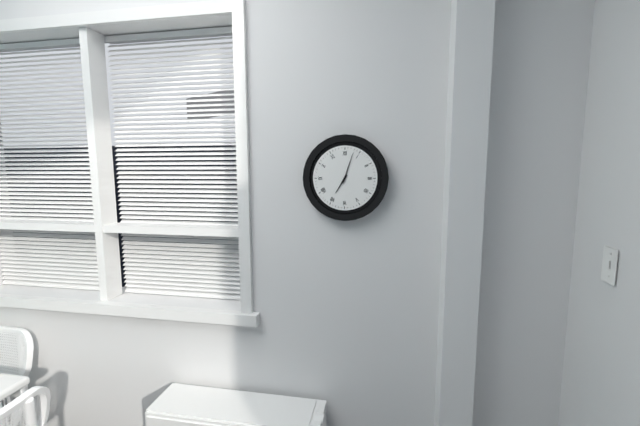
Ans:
7h03
